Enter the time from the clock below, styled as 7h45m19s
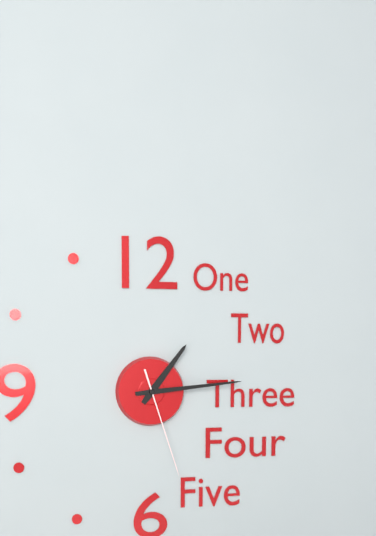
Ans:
1h14m27s
